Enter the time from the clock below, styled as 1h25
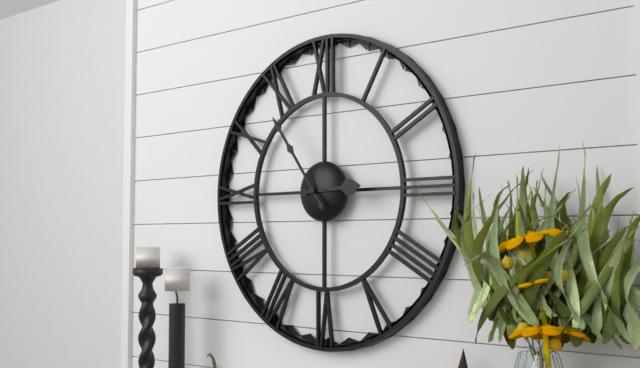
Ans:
2h54
